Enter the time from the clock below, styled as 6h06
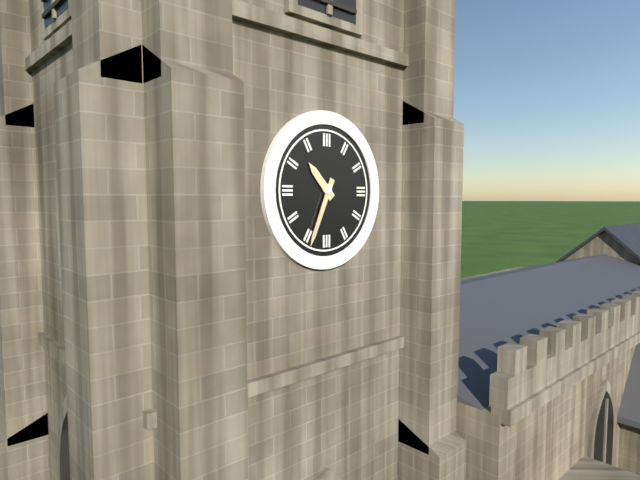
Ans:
10h34
